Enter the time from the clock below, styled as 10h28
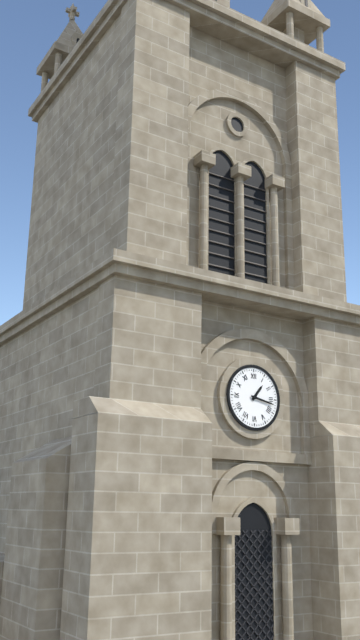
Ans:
1h17
